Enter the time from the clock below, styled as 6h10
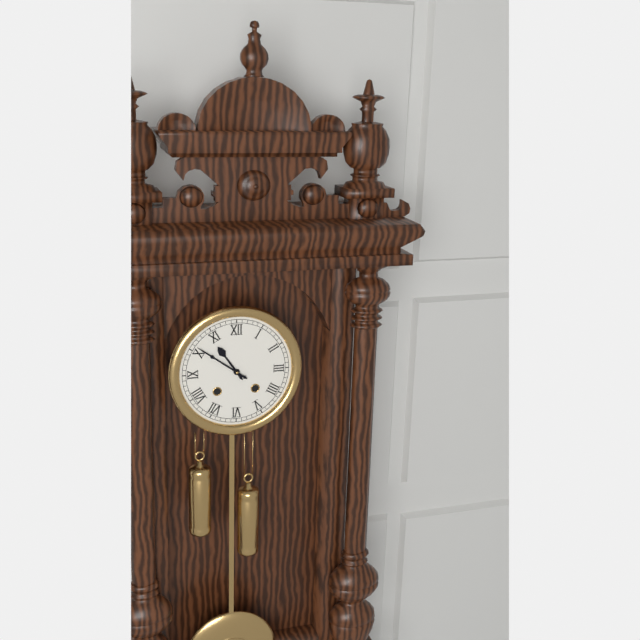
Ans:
10h51
